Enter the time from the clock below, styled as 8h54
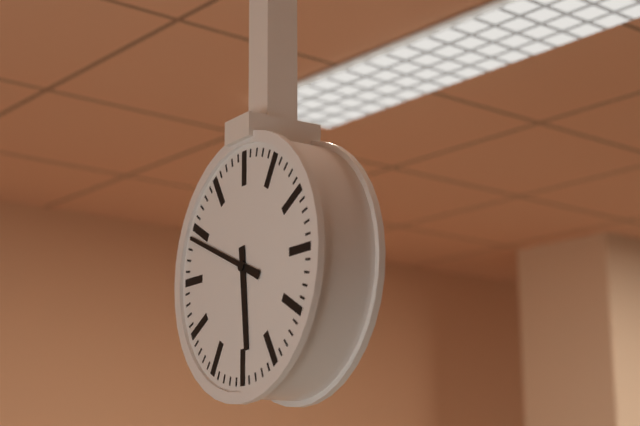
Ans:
5h49
